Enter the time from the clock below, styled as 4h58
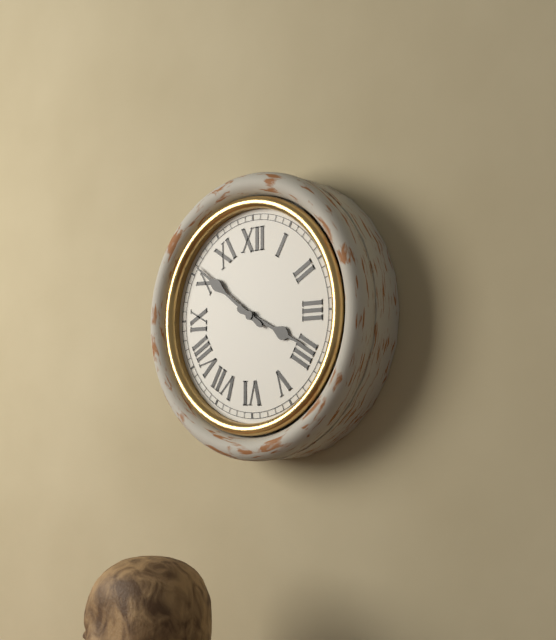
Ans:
3h51
